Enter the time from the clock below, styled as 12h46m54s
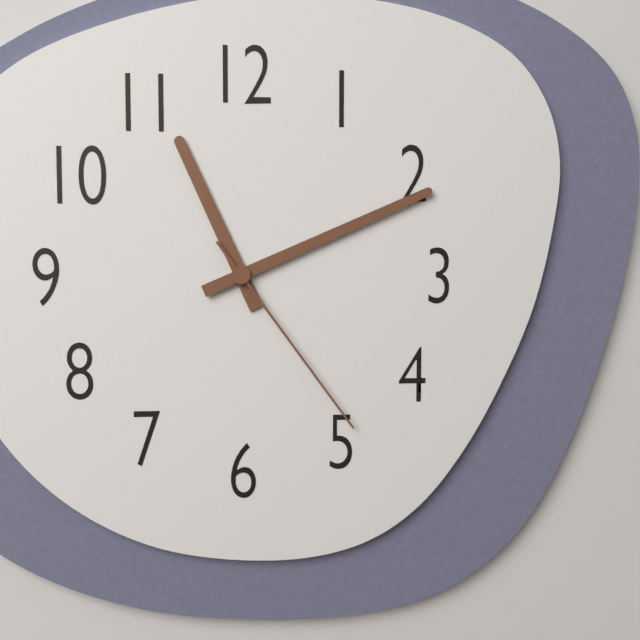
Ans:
11h11m24s
